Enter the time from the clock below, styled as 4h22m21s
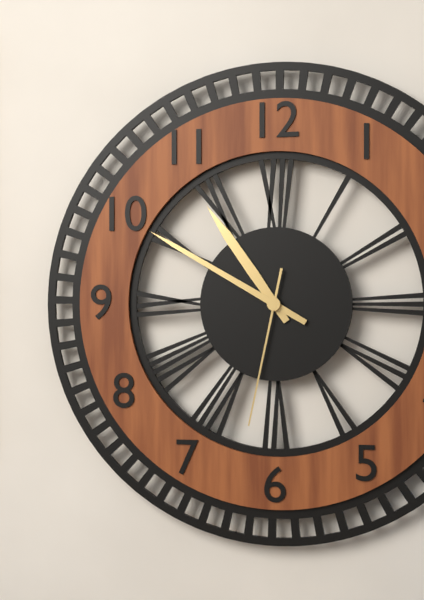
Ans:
10h50m32s
